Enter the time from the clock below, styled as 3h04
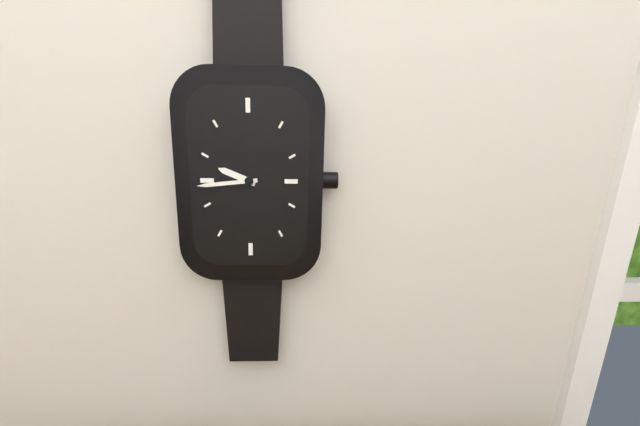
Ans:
9h44
